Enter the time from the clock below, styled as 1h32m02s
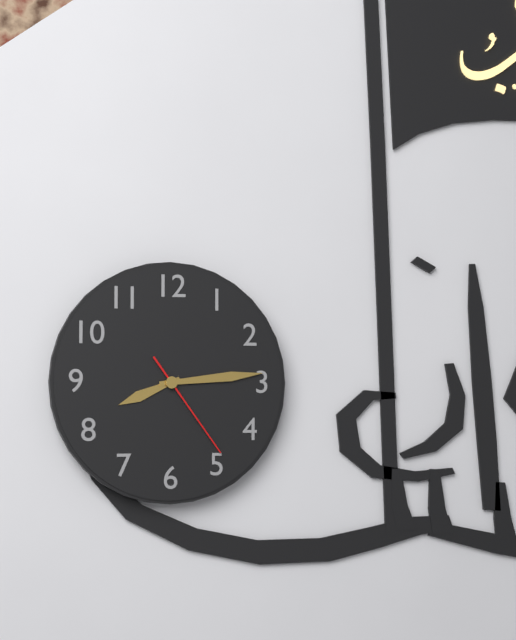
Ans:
8h14m24s
